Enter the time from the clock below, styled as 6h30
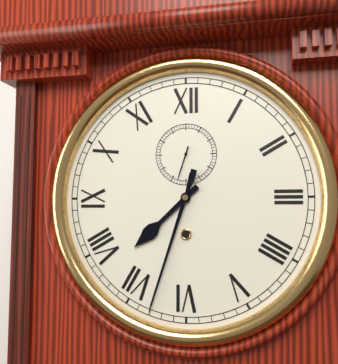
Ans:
7h33
